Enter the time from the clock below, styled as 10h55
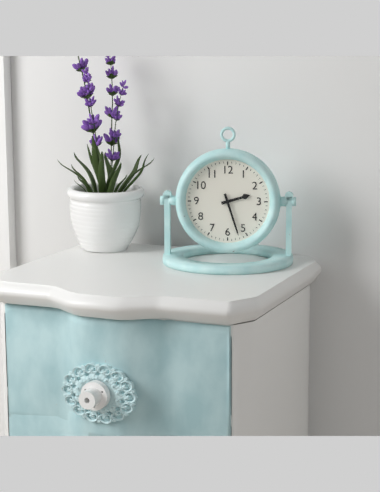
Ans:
2h27
